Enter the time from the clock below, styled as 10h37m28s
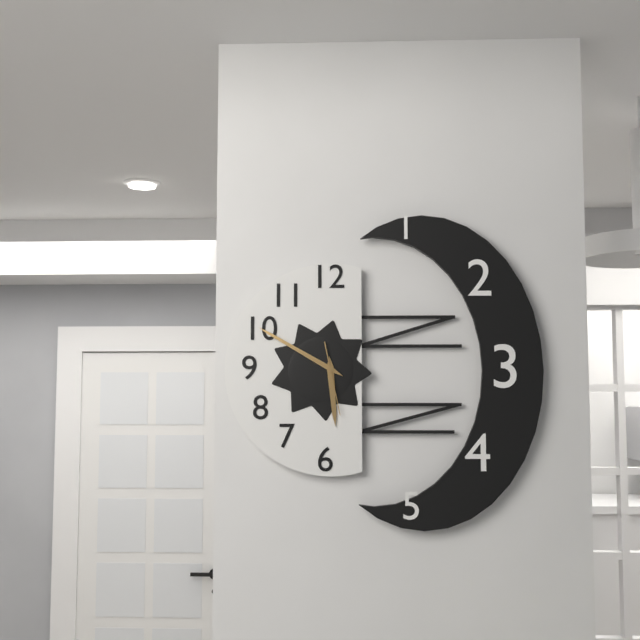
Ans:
5h50m28s
